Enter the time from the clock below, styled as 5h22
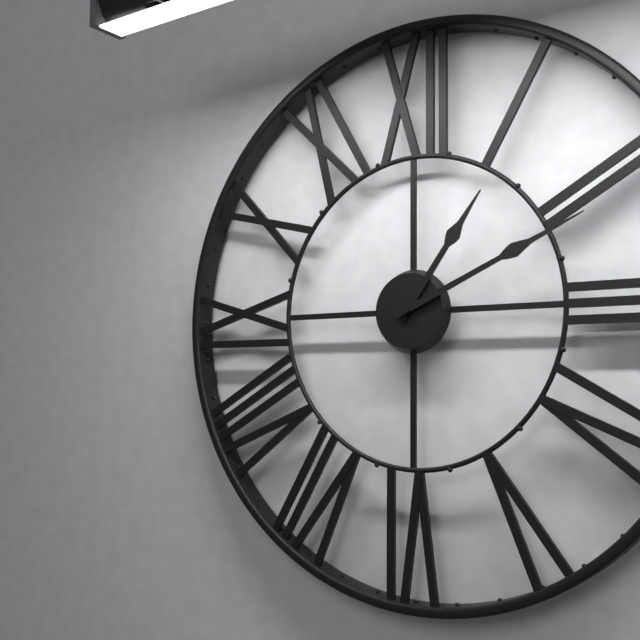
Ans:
1h11
